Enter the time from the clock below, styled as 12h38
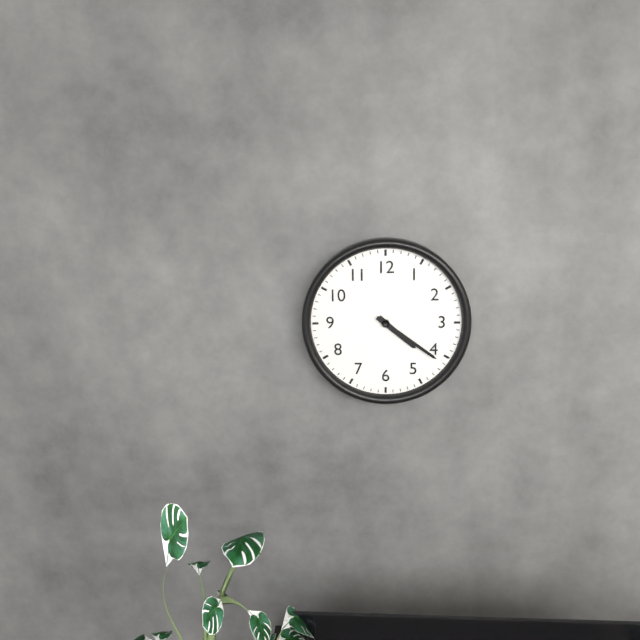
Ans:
4h21
